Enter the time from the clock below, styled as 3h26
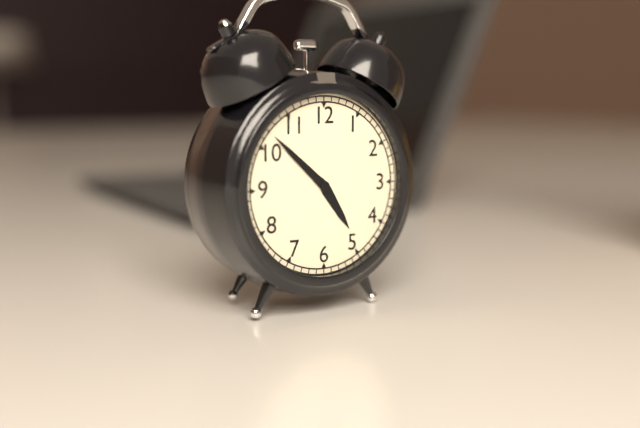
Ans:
4h52
